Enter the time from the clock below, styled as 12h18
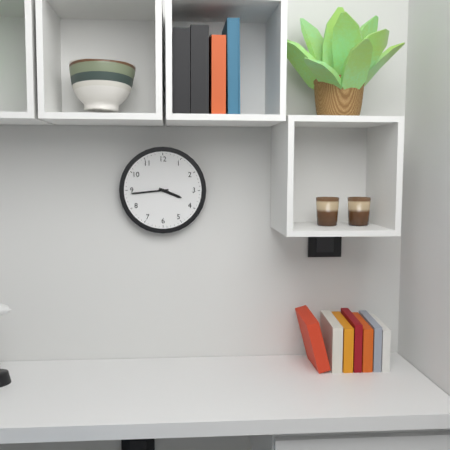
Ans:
3h44
